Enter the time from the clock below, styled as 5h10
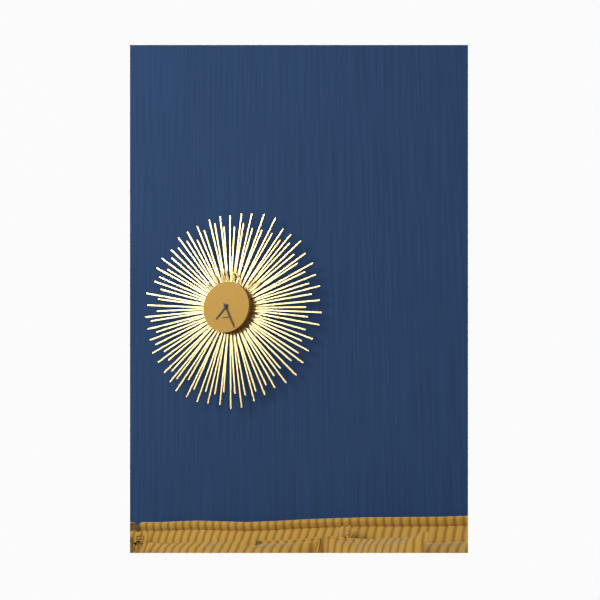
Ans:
7h26
